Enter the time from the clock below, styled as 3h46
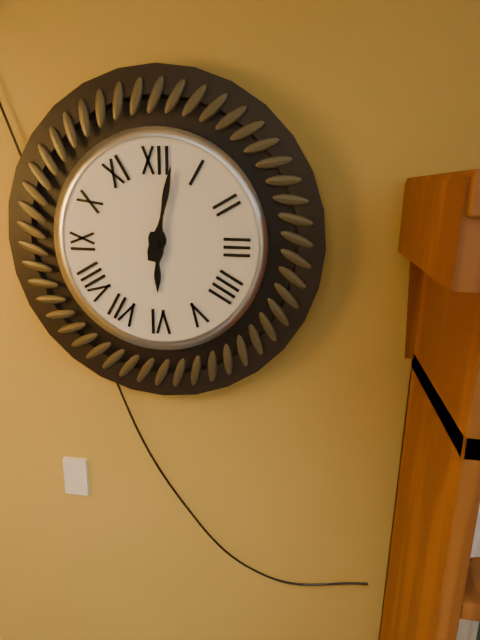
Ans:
6h02
